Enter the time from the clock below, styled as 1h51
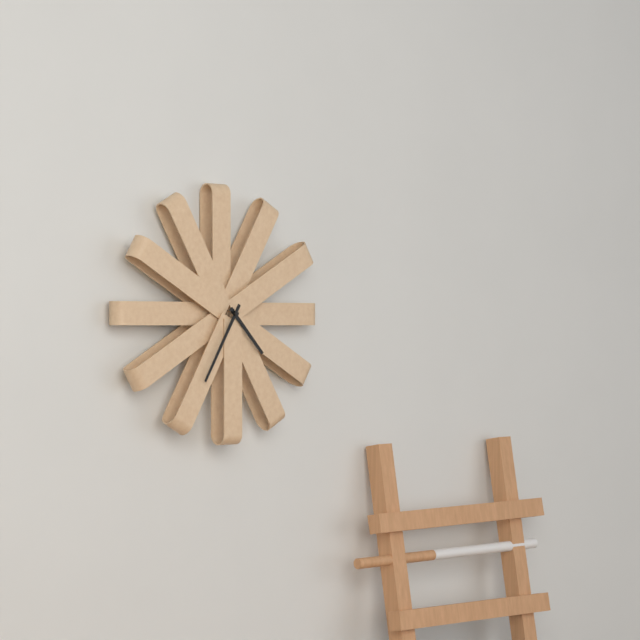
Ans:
4h35
